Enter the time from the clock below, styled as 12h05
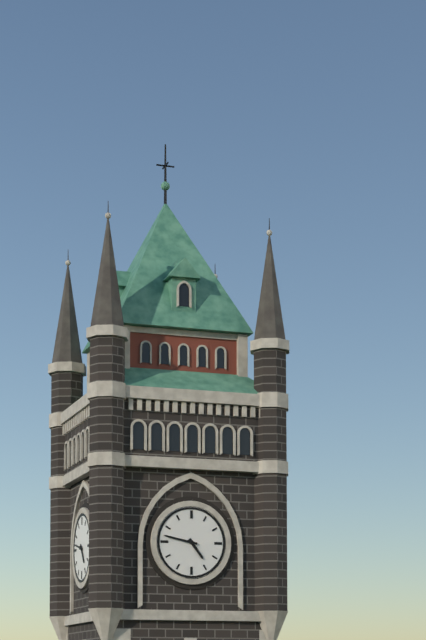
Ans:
4h47
